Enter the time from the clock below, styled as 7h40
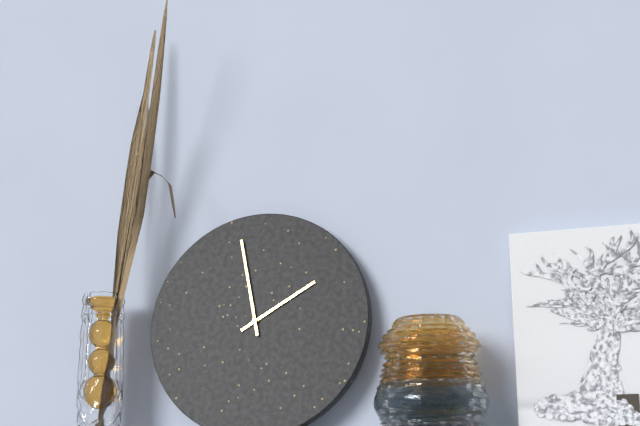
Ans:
1h58
